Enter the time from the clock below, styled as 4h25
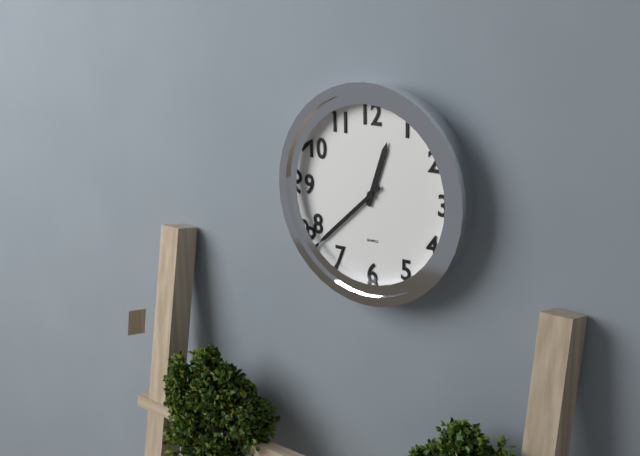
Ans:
12h38
